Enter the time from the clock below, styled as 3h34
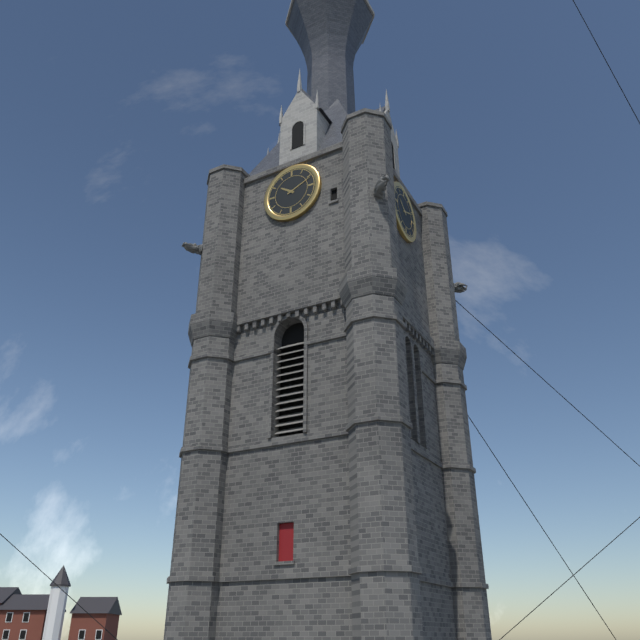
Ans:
10h11
